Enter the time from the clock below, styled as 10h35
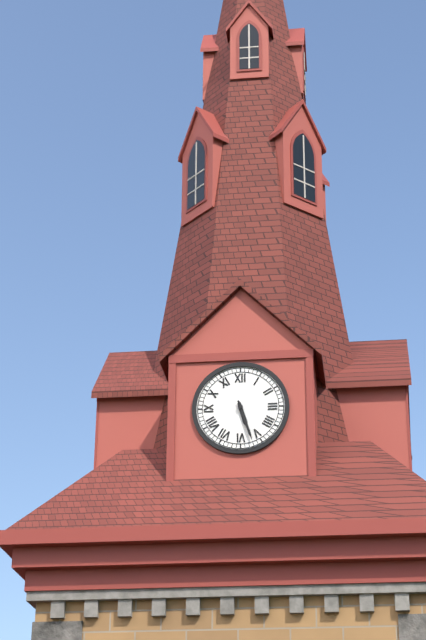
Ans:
5h27
